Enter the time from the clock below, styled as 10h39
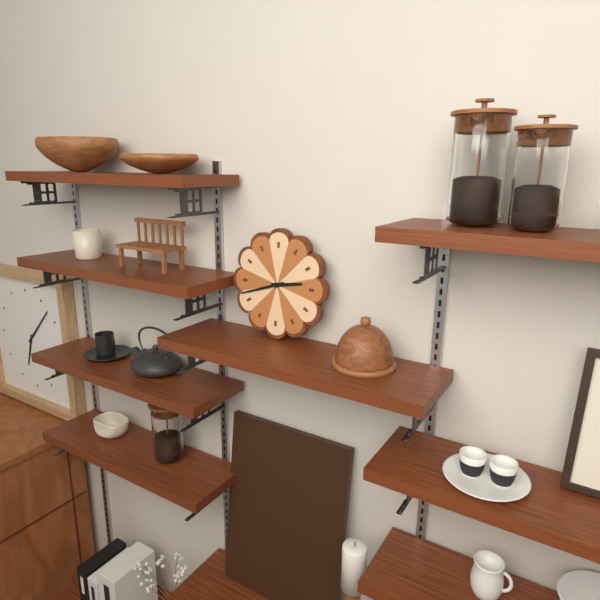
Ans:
2h42
